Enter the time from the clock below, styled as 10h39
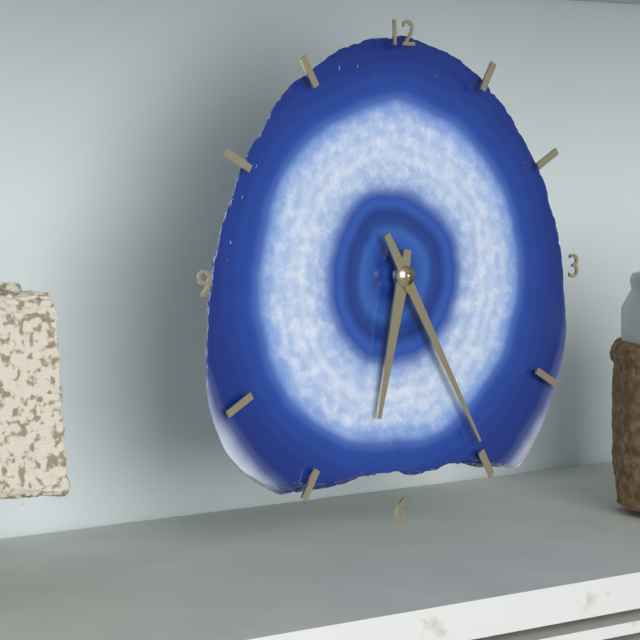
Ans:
6h25
